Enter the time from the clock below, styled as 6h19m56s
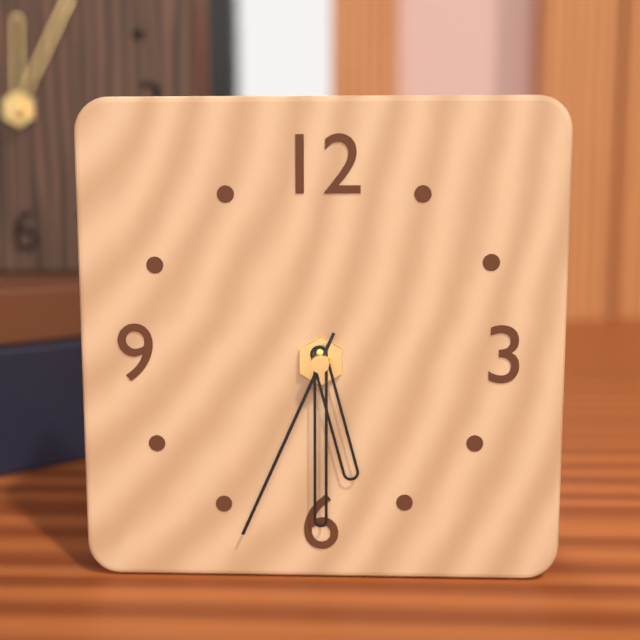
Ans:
5h30m34s
